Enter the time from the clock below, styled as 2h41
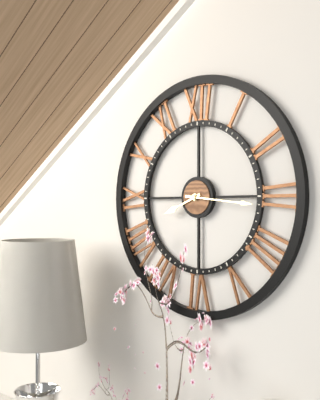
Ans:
8h16
